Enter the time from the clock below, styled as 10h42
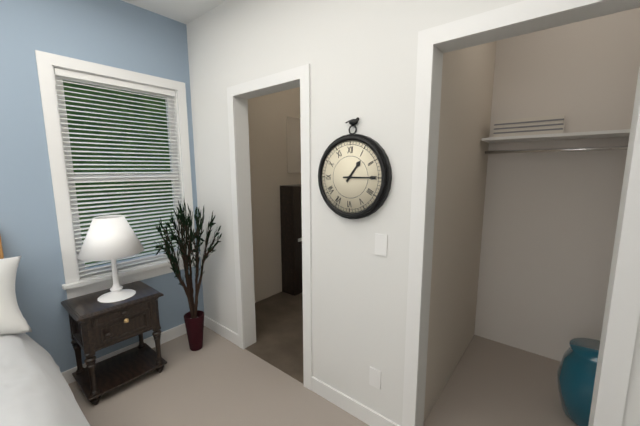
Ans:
1h15
